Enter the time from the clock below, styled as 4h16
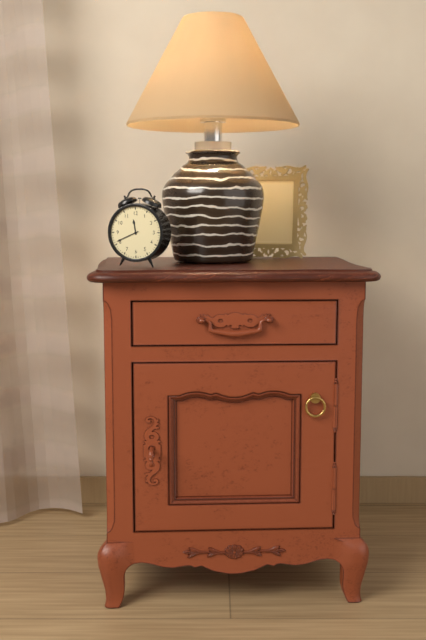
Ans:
11h41
